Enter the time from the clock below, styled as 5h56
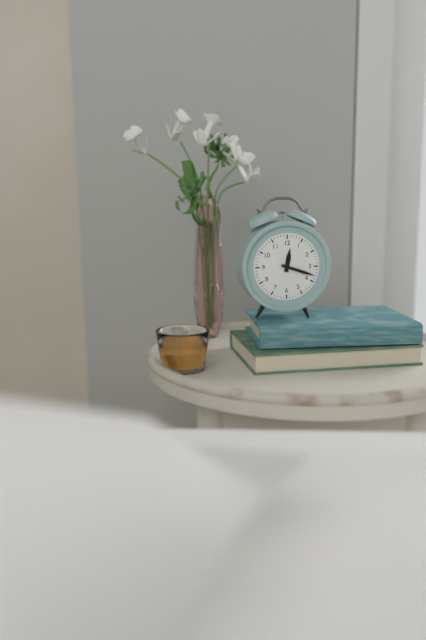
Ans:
12h18
